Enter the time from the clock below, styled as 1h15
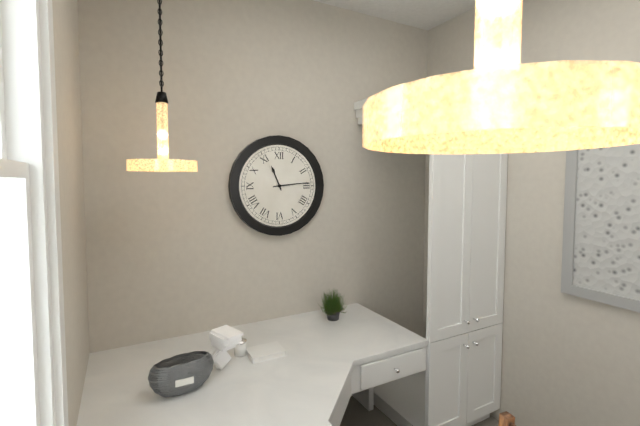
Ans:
11h14
